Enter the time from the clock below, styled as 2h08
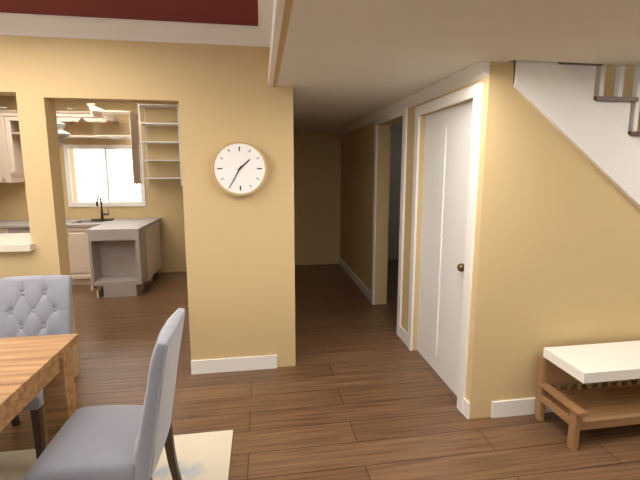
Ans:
1h35
